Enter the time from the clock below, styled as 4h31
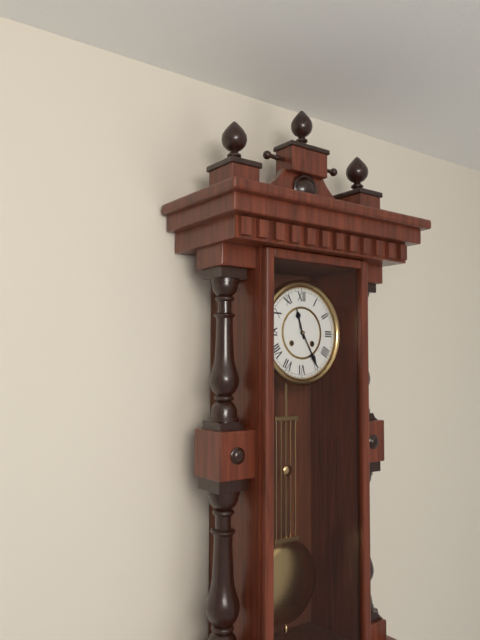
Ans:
11h25
